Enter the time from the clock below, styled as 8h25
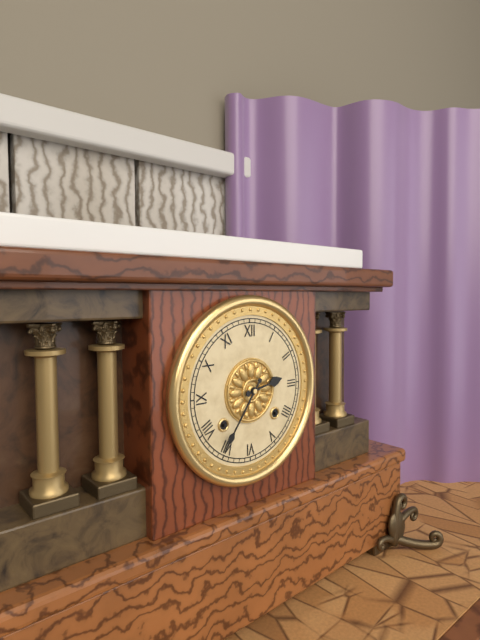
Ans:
2h36
